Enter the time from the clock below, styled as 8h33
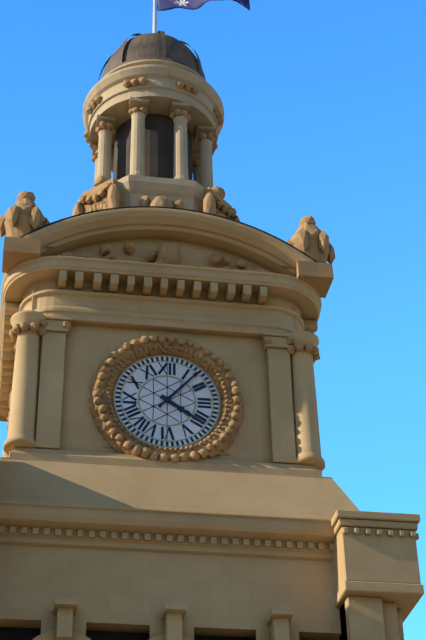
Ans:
4h07
